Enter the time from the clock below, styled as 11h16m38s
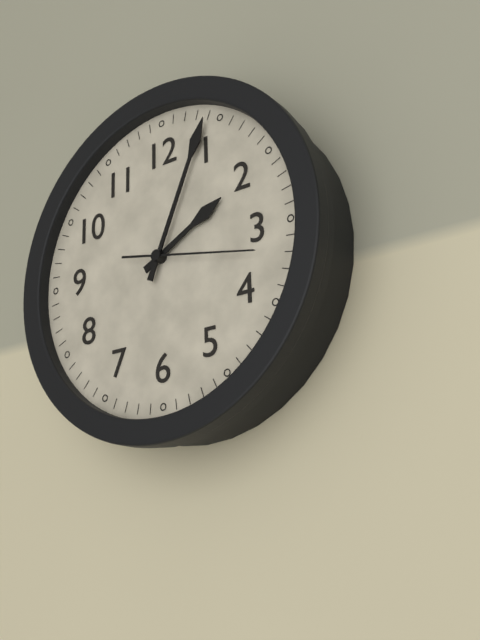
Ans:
2h04m17s
